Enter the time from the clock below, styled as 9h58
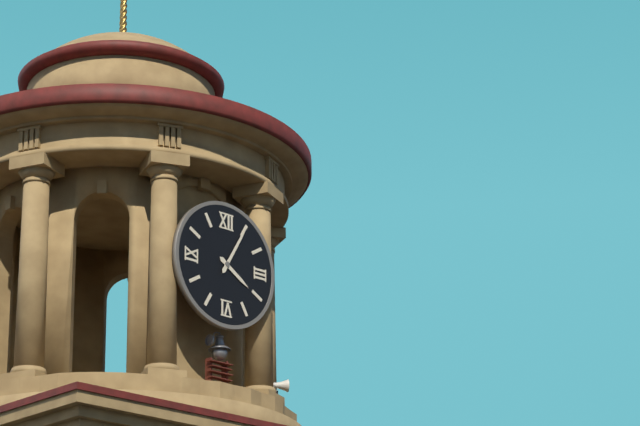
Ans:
4h05
